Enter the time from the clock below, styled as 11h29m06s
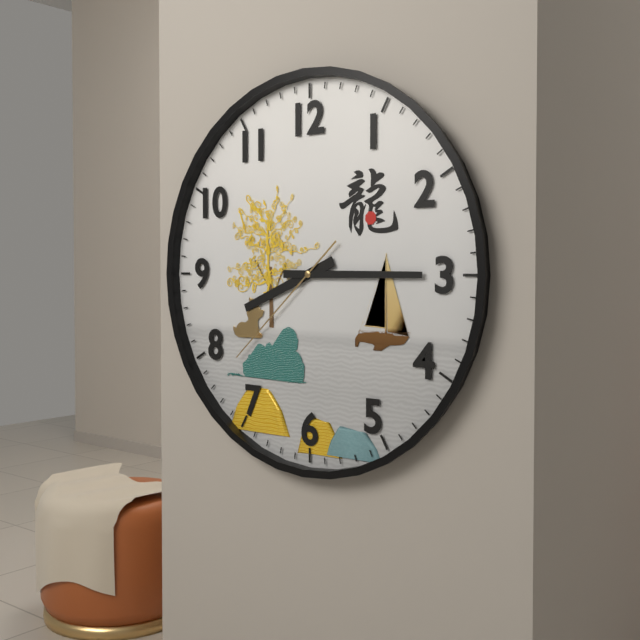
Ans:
8h15m38s
